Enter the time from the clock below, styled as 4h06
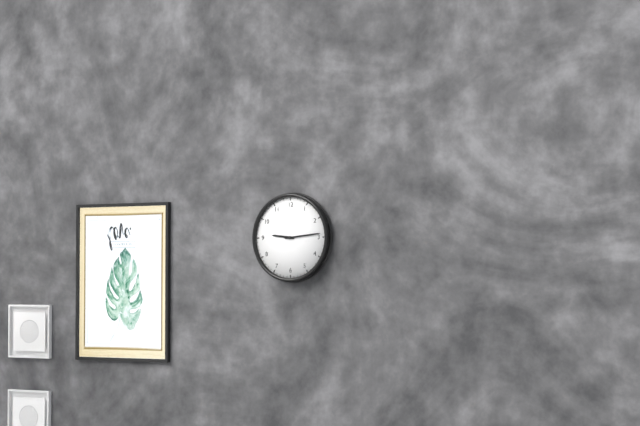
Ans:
9h14
